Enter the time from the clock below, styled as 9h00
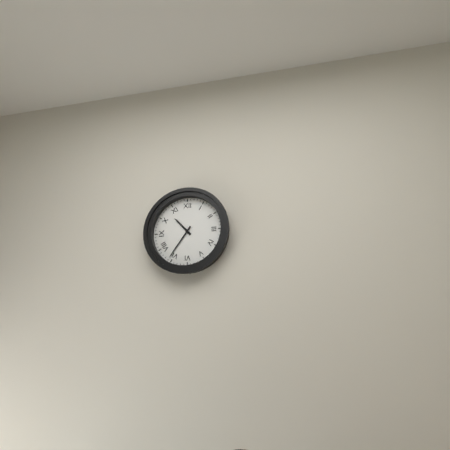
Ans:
10h36
